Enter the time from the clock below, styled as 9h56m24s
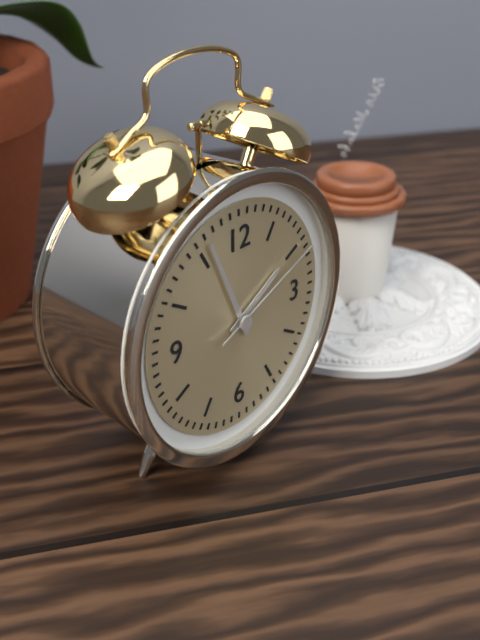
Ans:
1h56m11s
